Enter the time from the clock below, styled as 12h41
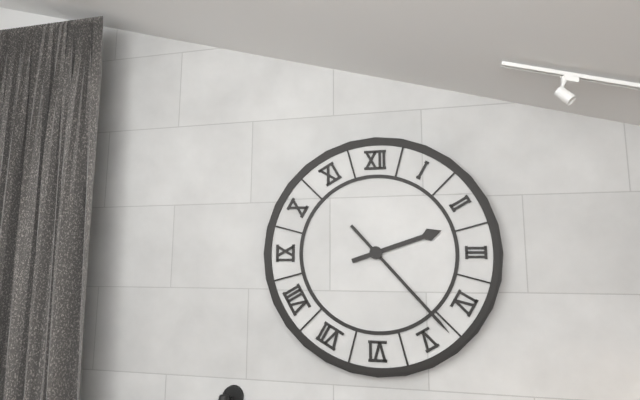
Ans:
2h23
